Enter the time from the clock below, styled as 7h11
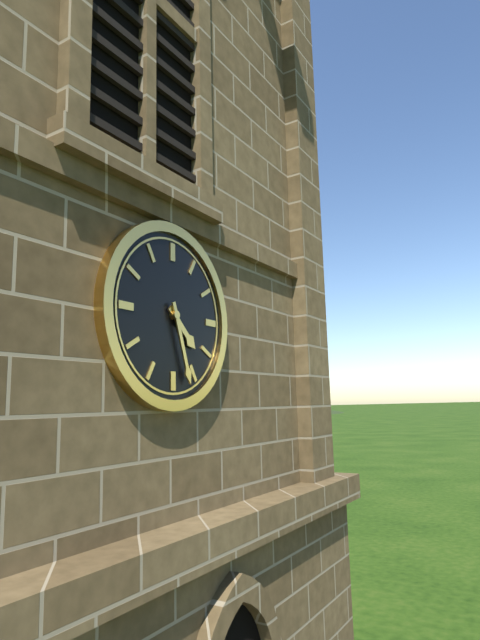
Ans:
4h27
